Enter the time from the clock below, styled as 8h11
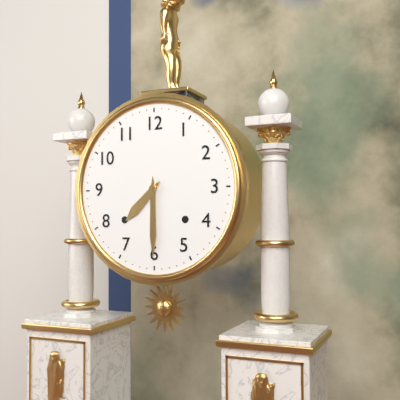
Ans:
7h30
